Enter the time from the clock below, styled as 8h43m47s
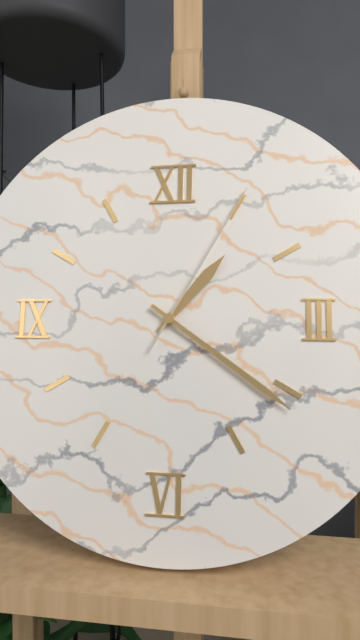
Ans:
1h21m05s
